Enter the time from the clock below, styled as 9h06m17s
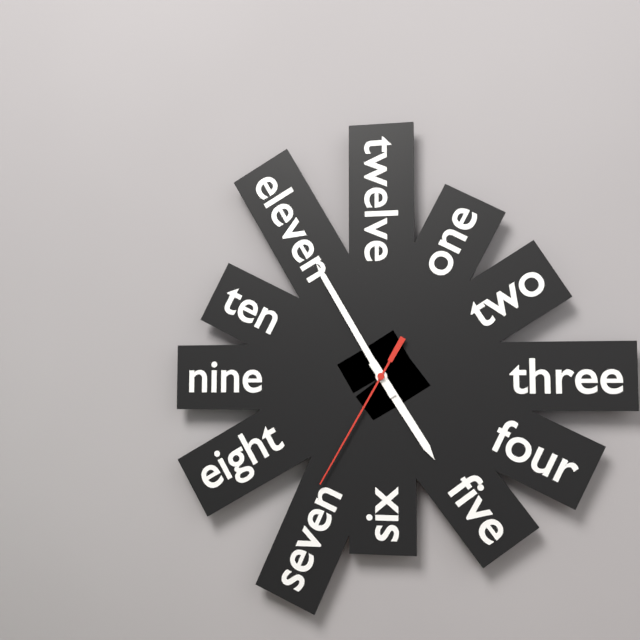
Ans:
4h55m35s
